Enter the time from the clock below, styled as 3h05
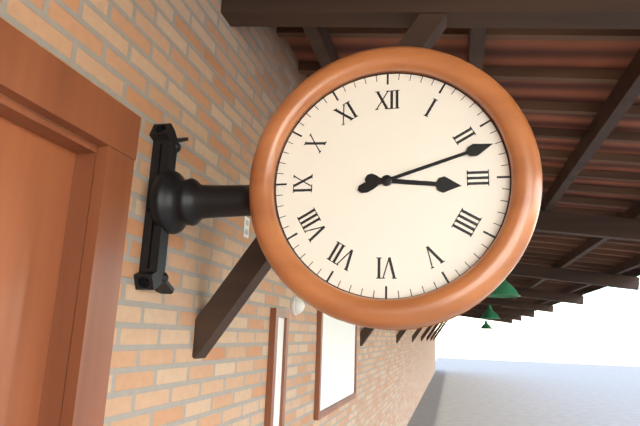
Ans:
3h12
